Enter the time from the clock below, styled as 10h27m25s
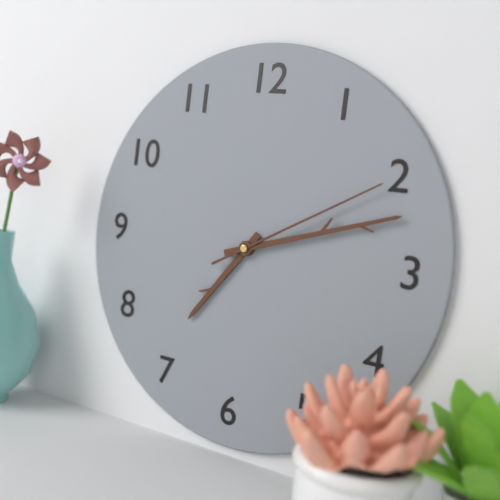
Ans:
7h12m10s
